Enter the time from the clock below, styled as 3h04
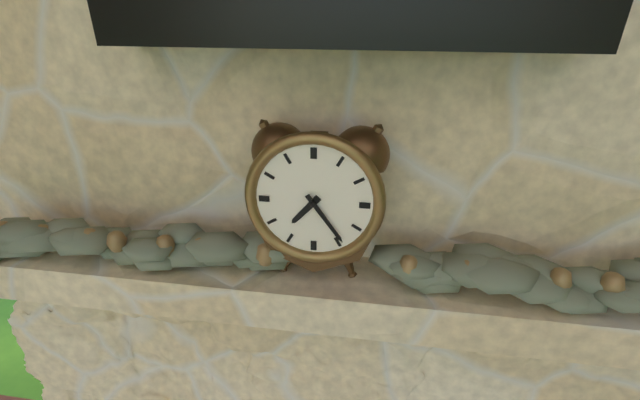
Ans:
7h24
